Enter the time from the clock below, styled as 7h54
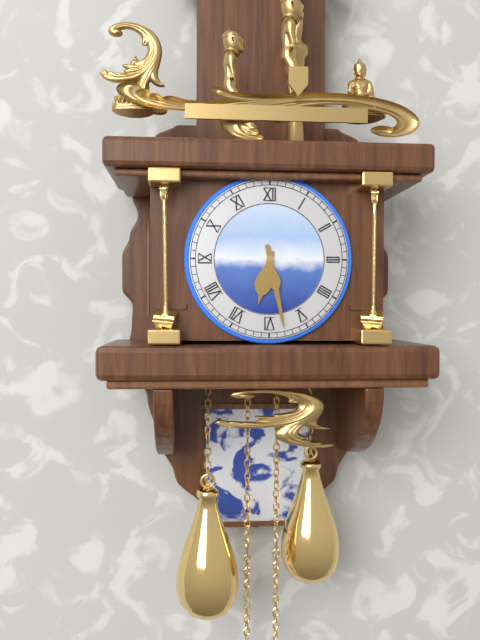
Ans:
6h28
